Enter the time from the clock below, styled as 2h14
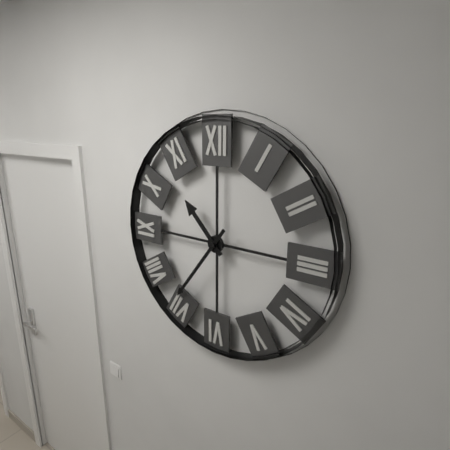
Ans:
10h36
